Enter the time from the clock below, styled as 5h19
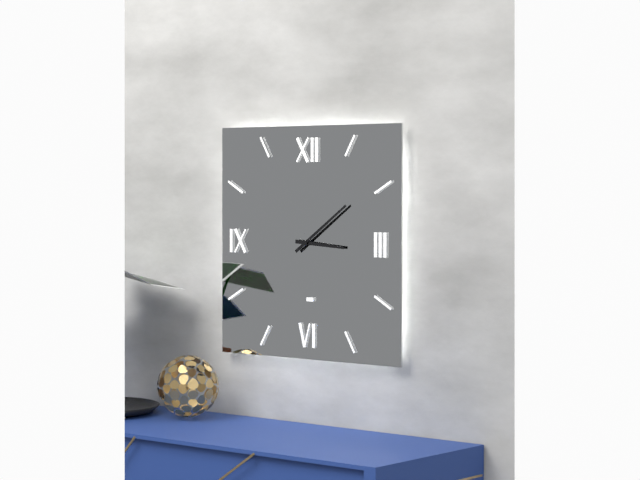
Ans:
3h09
